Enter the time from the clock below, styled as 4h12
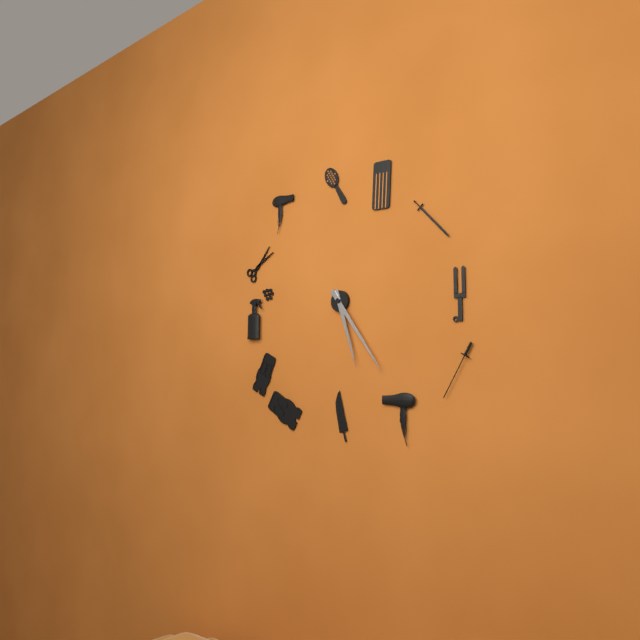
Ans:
5h24
